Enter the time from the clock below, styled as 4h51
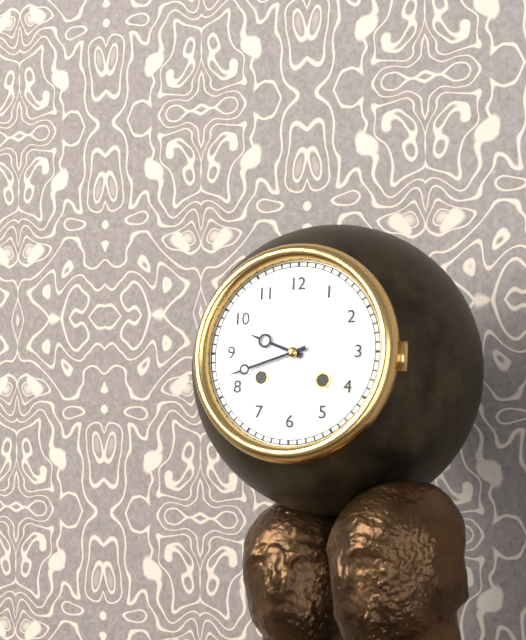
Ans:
9h42
